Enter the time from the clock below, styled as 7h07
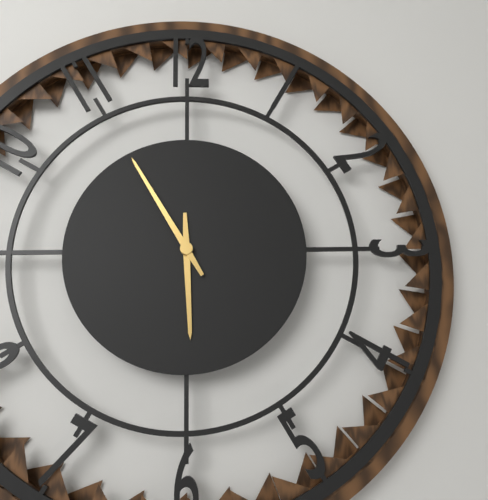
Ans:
5h55
